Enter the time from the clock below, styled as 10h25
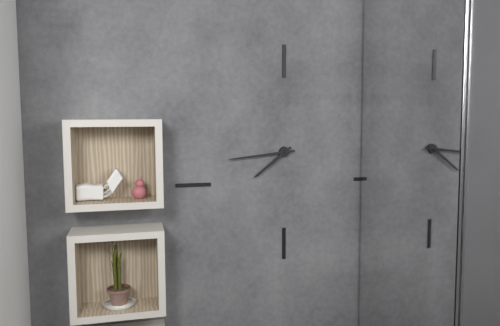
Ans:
7h44
